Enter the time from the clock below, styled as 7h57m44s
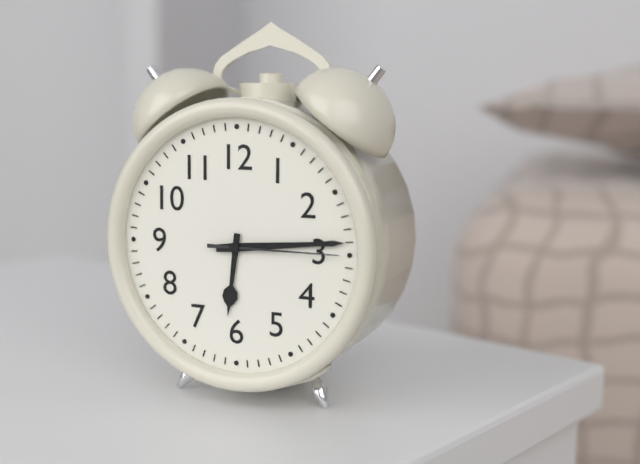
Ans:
6h14m15s
